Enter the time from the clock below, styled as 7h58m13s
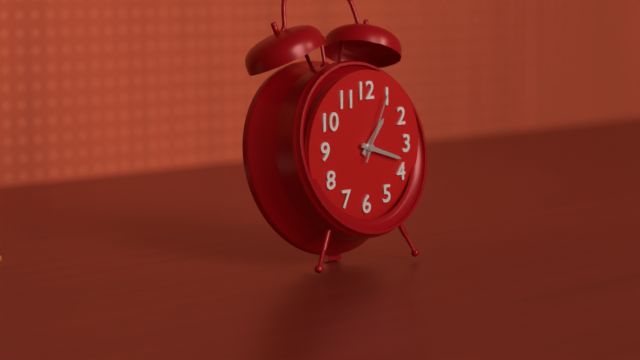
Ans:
1h18m04s
